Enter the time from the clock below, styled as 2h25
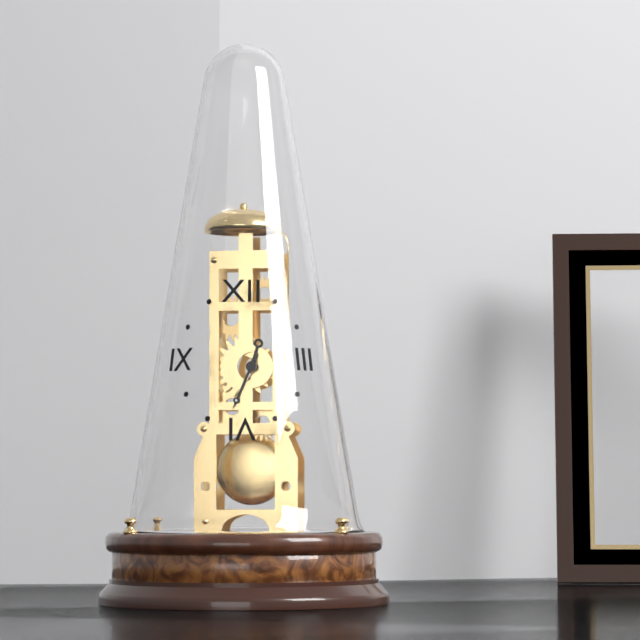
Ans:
12h34
